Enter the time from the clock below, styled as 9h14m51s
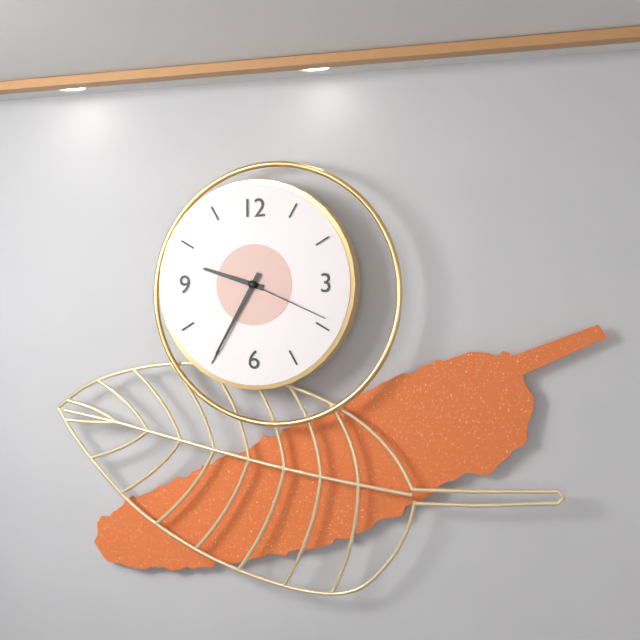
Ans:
9h35m19s
